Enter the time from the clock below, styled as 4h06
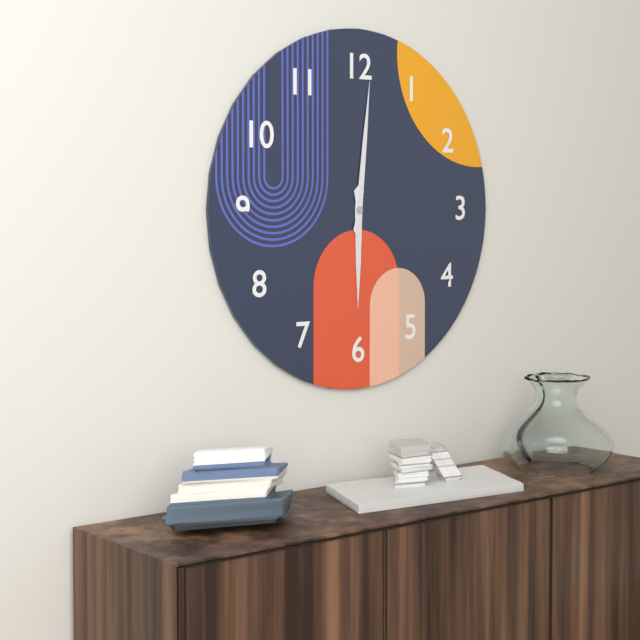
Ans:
6h01
